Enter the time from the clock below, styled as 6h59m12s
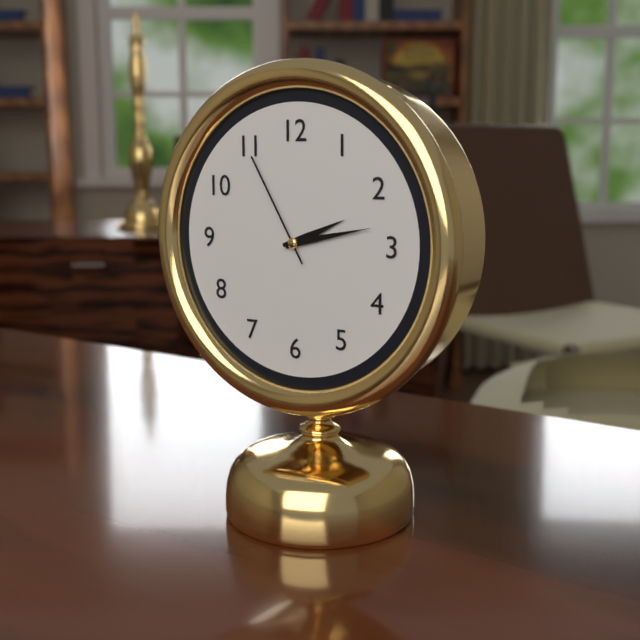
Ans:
2h13m55s
